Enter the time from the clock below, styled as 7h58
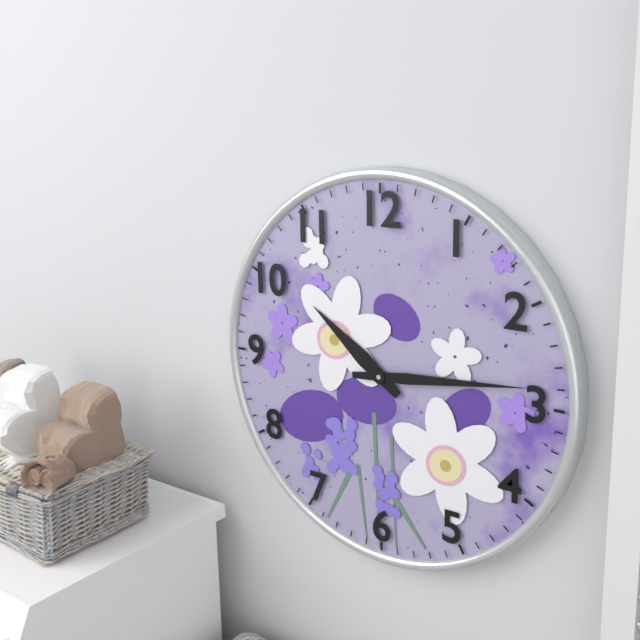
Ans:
10h14
